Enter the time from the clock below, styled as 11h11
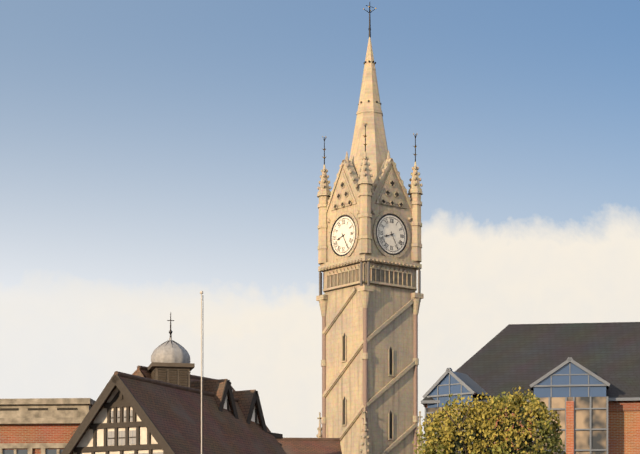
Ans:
8h25
